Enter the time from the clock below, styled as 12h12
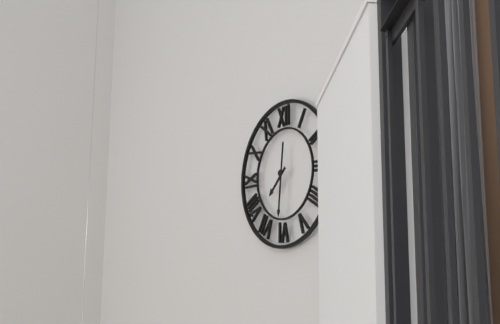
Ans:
7h31
